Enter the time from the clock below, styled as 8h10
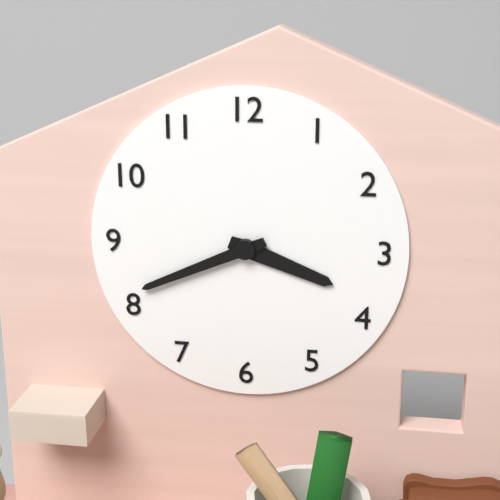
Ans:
3h41
